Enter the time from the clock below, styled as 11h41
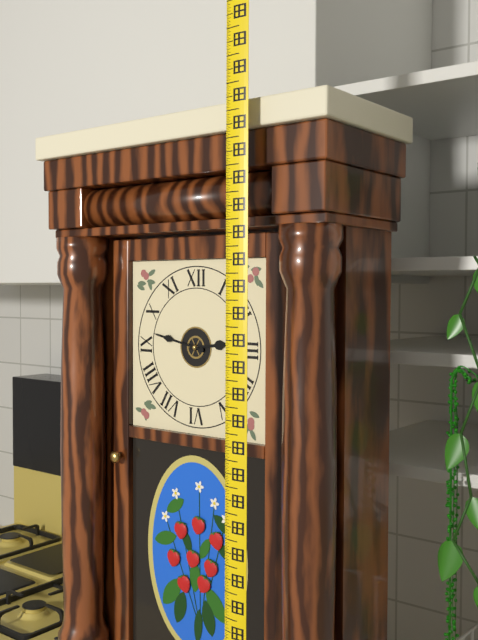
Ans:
2h47
